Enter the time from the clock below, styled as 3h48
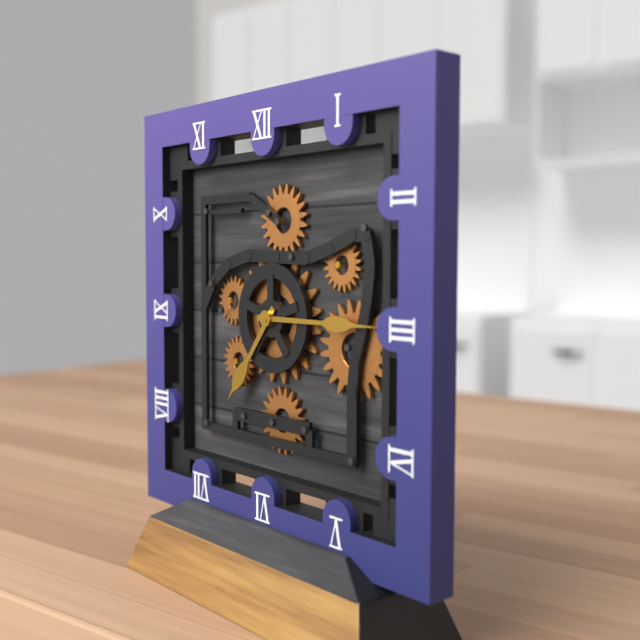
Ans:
7h15
